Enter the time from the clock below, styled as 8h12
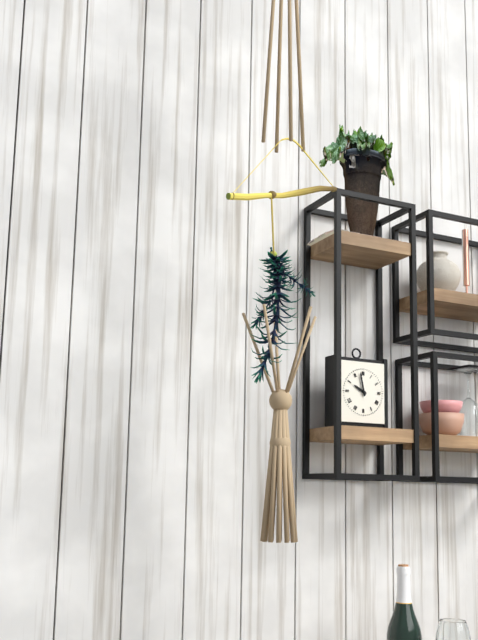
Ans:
9h58
